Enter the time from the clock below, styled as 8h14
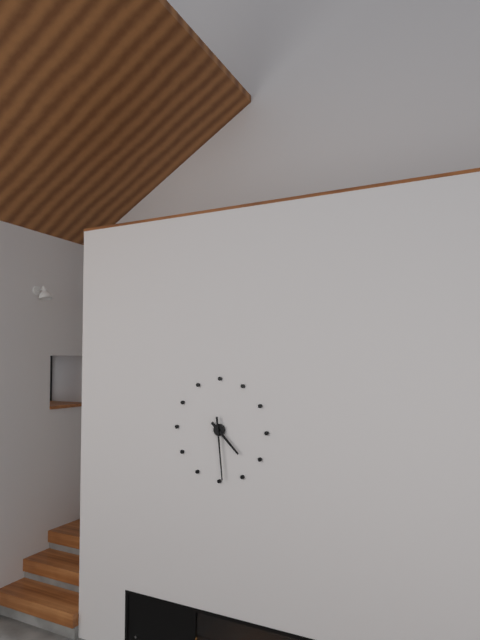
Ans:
4h29
